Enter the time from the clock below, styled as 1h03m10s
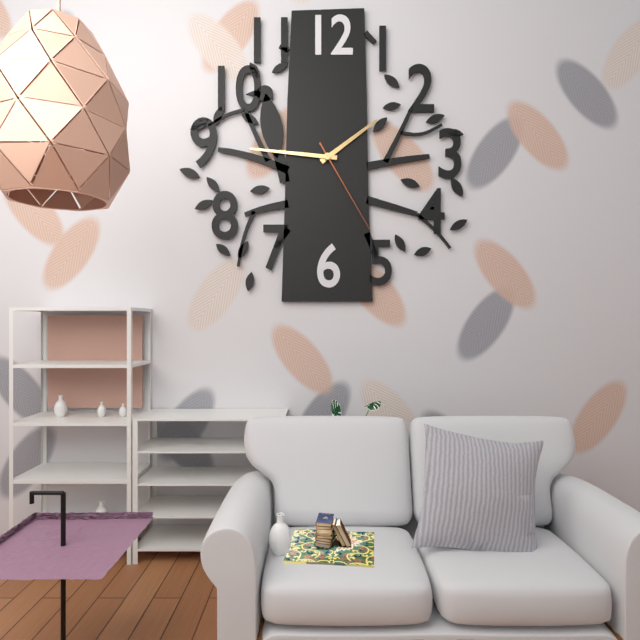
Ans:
1h46m25s
